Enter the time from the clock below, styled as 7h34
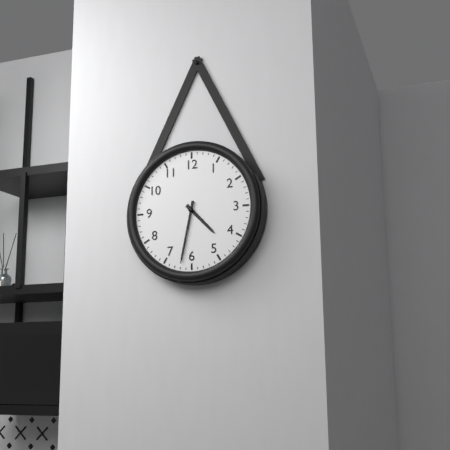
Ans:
4h32
